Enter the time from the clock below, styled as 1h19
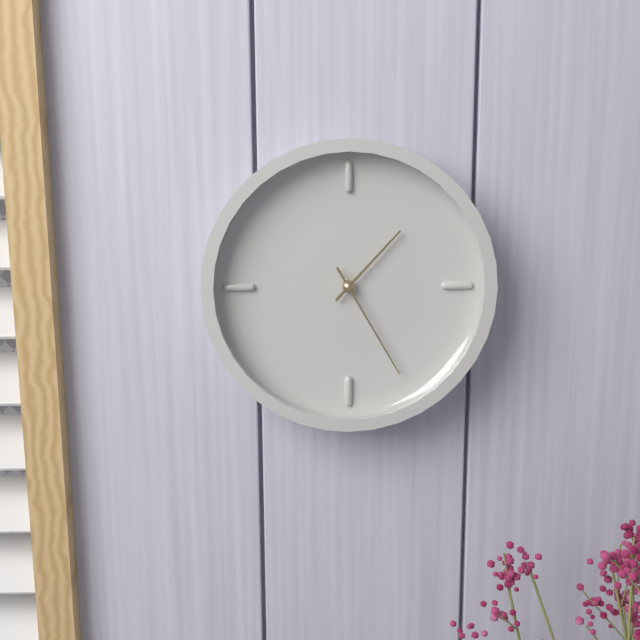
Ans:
1h25
